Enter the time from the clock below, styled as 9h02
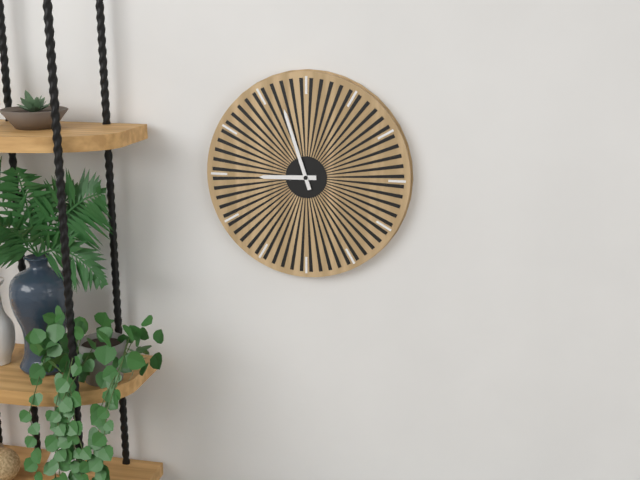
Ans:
8h57
